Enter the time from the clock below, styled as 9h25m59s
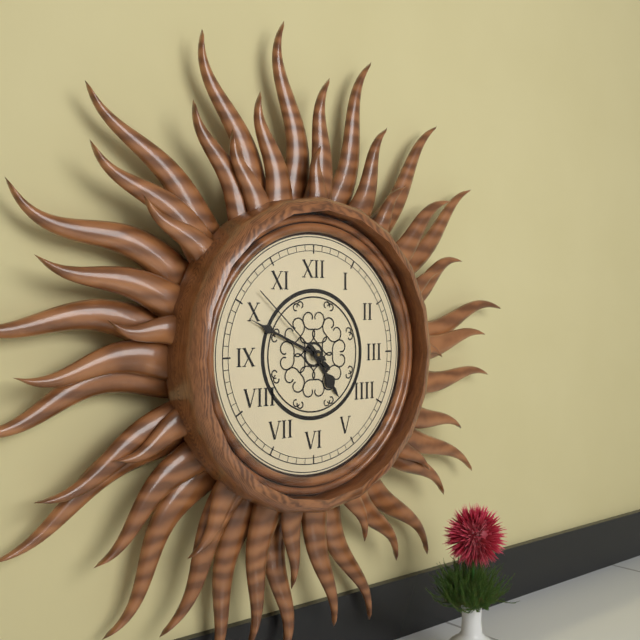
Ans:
4h49m52s
